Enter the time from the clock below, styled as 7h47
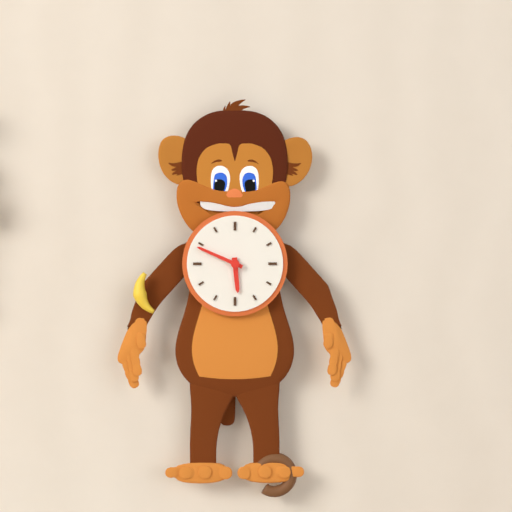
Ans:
5h49
